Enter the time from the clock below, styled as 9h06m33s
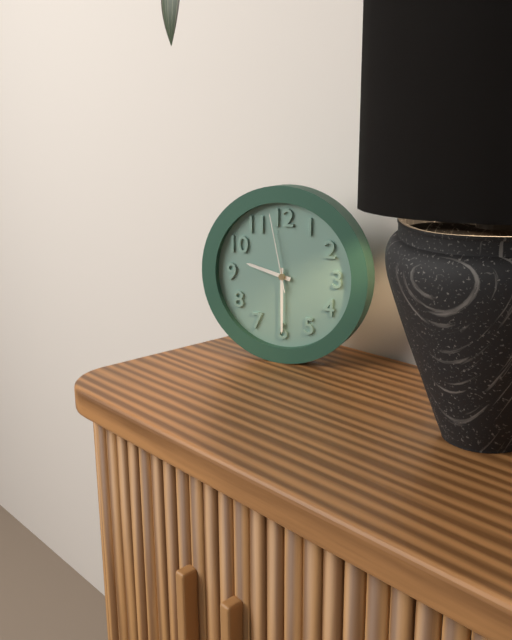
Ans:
9h30m58s
